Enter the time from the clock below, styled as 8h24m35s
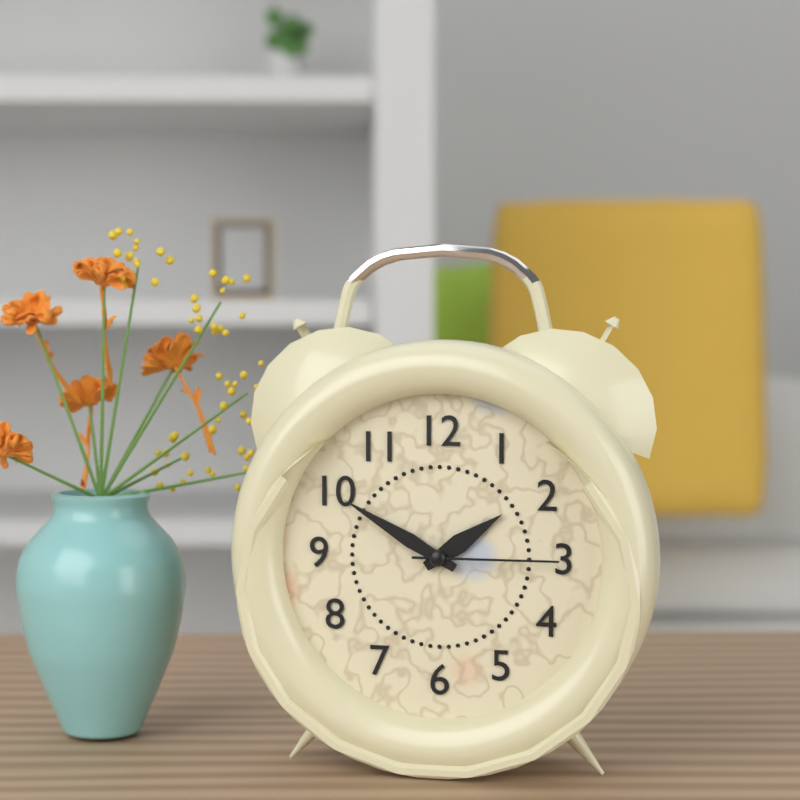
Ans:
1h50m15s
